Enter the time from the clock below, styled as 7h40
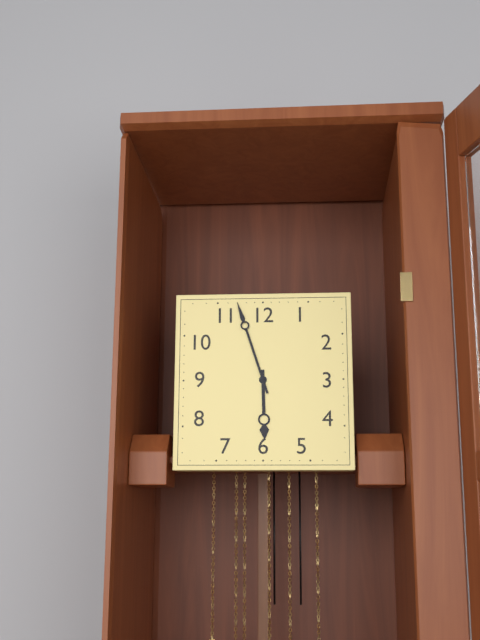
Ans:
5h57
